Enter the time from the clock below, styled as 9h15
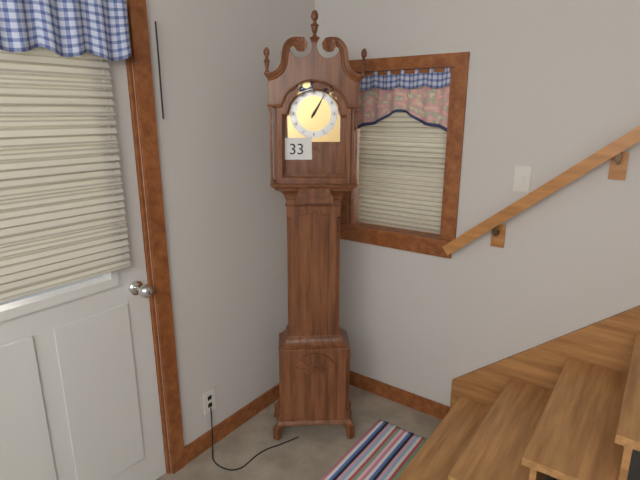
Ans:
1h05
